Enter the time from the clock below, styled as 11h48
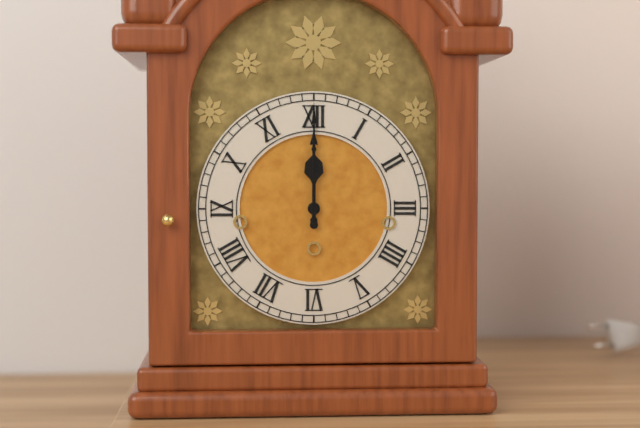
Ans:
12h00
